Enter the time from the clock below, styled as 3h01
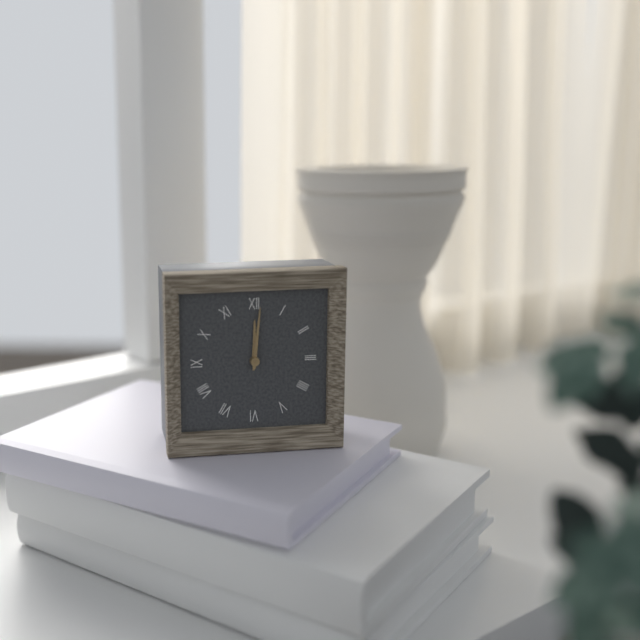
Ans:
12h01
